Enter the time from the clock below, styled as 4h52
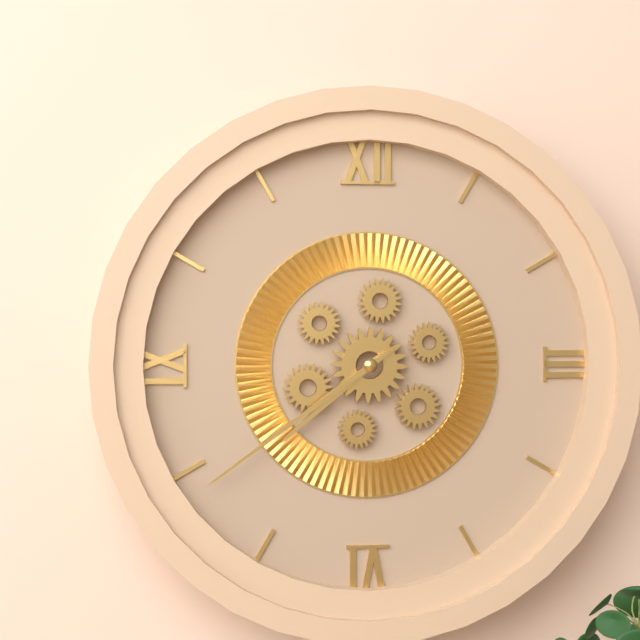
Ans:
7h39
